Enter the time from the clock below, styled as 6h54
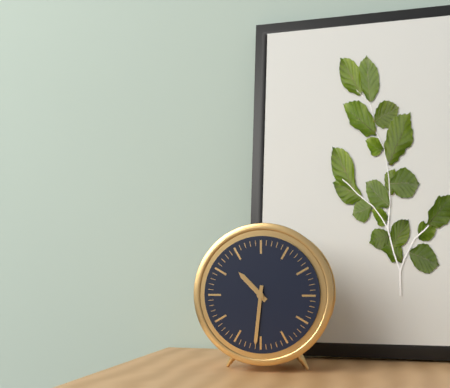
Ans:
10h31
